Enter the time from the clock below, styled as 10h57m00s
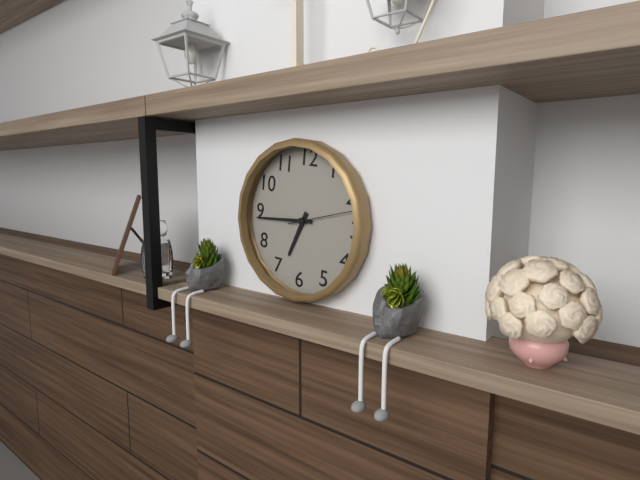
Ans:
6h44m12s
